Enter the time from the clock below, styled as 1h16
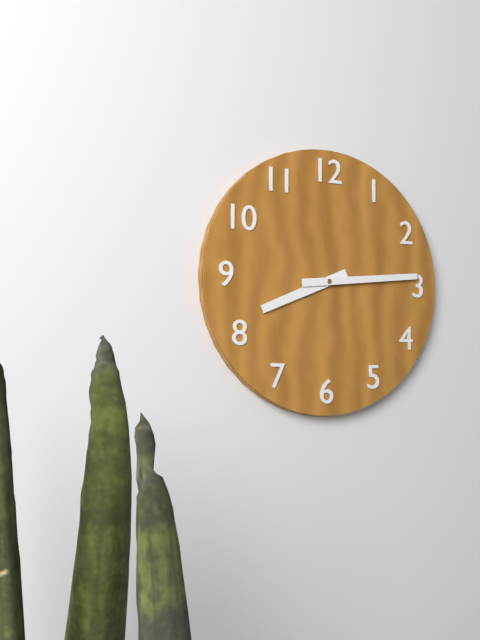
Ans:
8h14
